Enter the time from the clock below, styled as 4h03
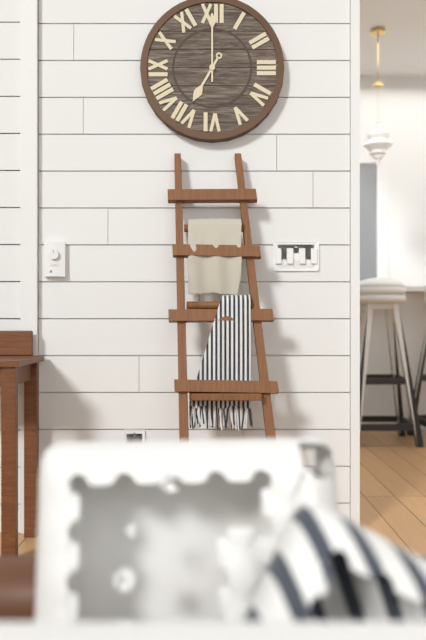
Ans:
7h00
